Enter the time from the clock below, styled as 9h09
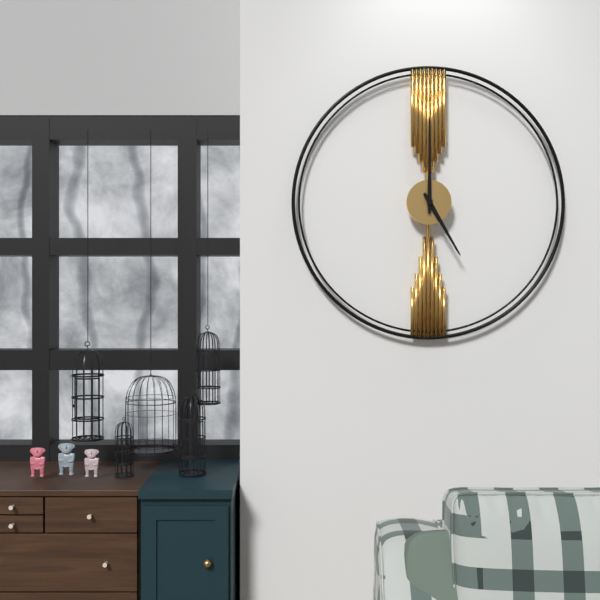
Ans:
5h00
